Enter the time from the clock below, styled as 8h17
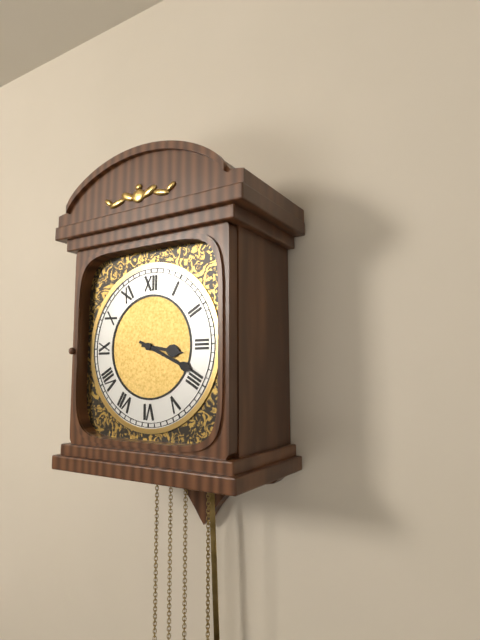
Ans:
3h19
